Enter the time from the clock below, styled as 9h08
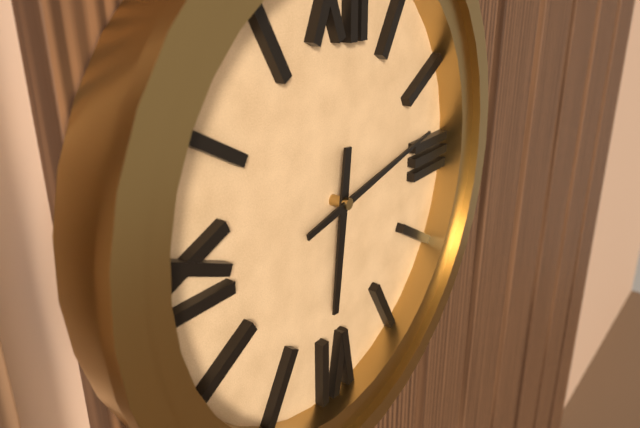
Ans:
6h13
